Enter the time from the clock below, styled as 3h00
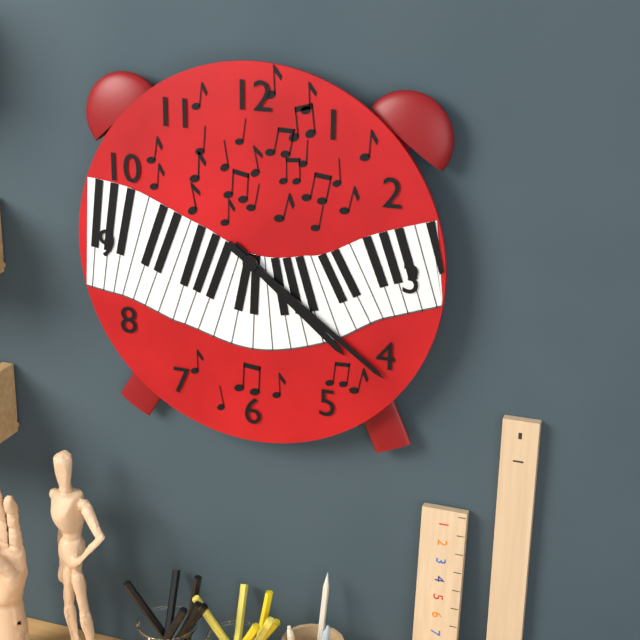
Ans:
4h21
